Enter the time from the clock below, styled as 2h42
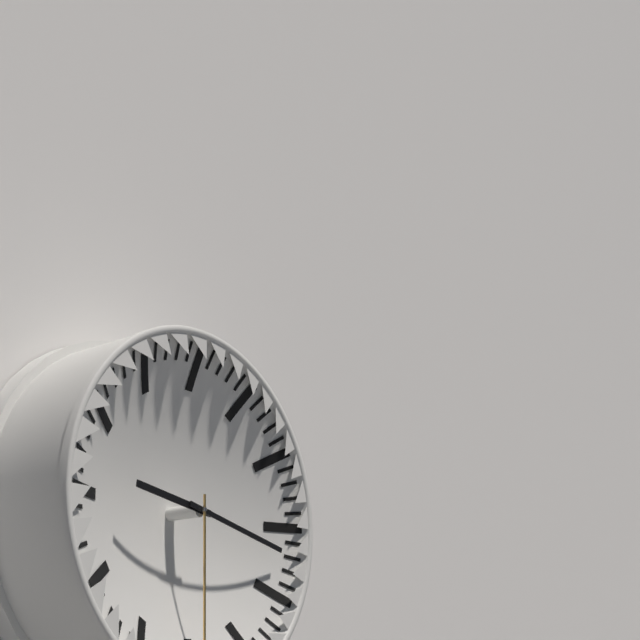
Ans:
9h17
